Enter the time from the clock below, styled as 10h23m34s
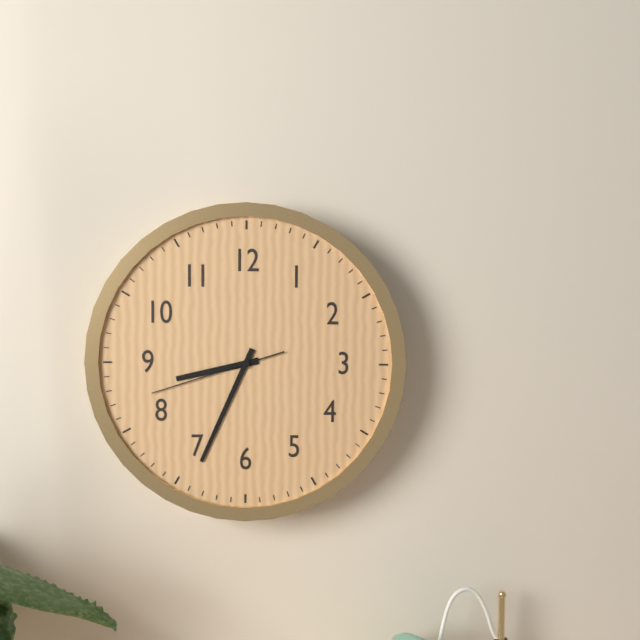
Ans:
8h34m42s
